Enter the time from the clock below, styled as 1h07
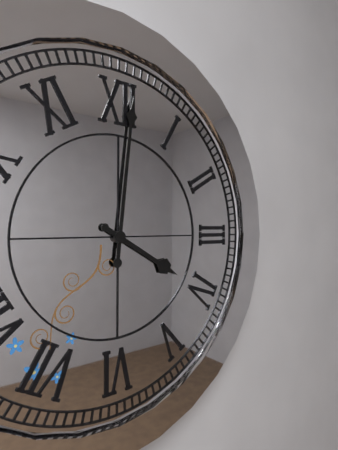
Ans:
4h01
